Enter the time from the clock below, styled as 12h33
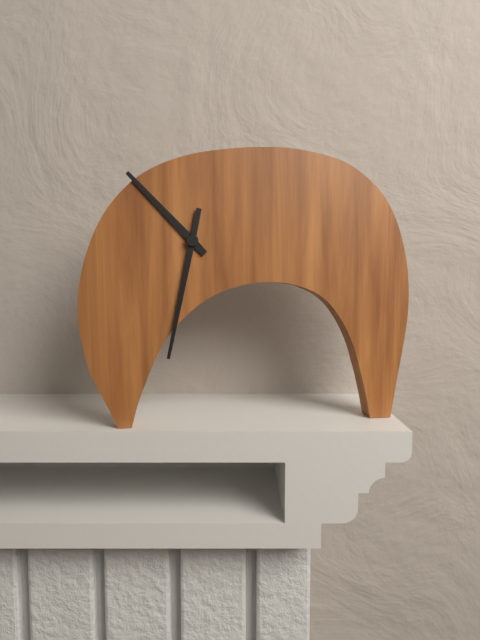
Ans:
10h32
